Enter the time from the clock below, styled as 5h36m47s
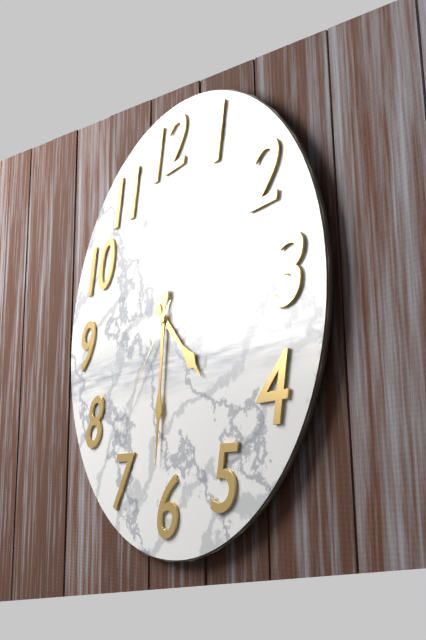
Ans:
4h31m37s
